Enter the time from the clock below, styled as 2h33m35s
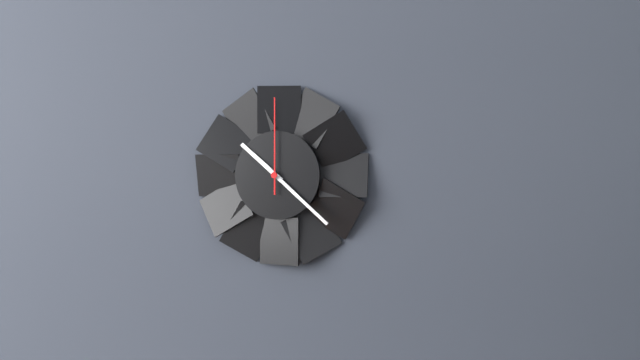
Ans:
10h22m00s
